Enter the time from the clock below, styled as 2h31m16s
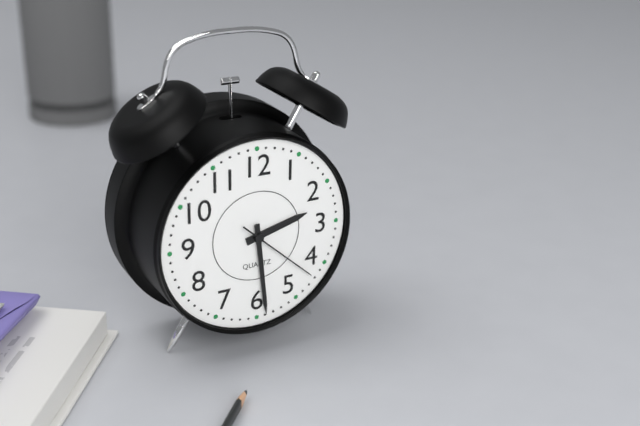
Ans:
2h29m22s
